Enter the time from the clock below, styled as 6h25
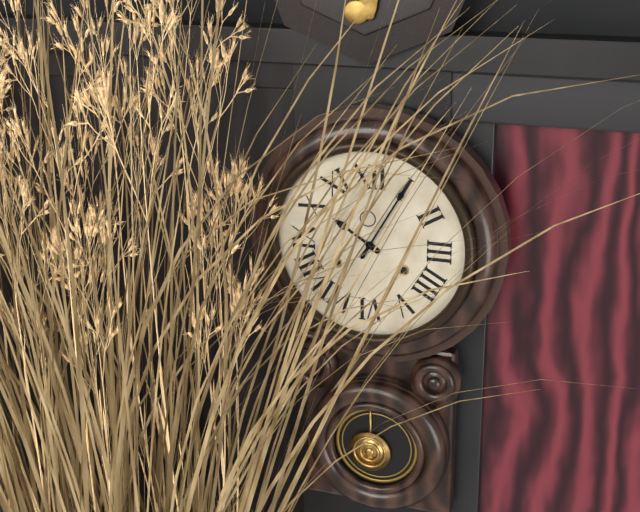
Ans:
10h05
